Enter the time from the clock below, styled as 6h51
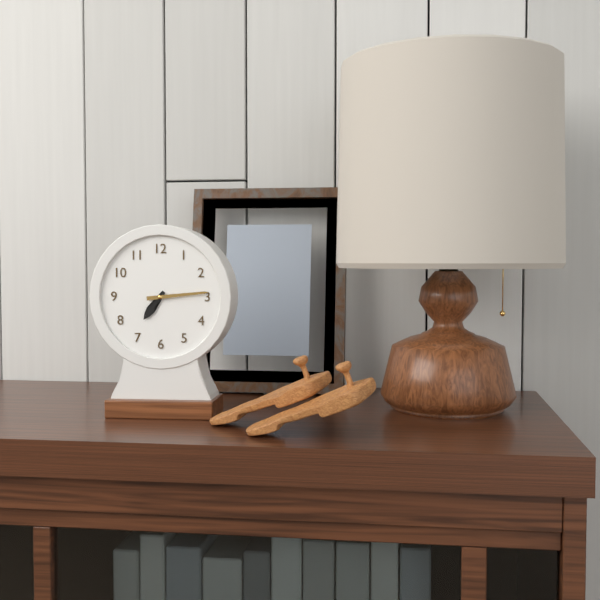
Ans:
7h14
